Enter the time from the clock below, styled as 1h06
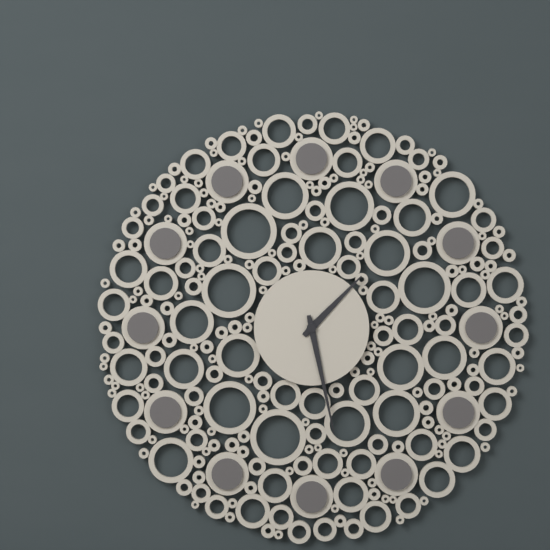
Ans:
1h28
